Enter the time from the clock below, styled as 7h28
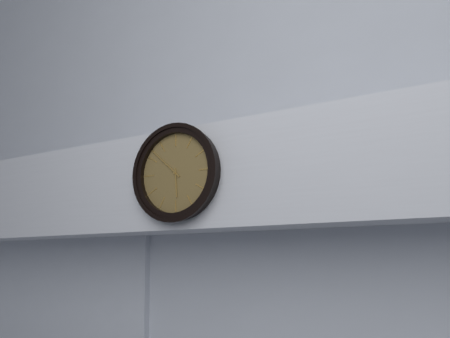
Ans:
5h52
